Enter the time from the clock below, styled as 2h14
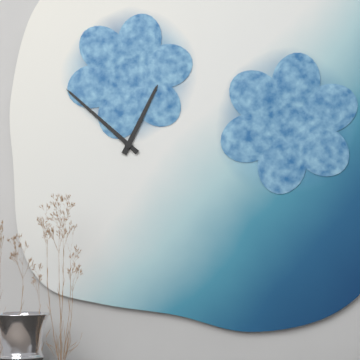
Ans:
12h52
